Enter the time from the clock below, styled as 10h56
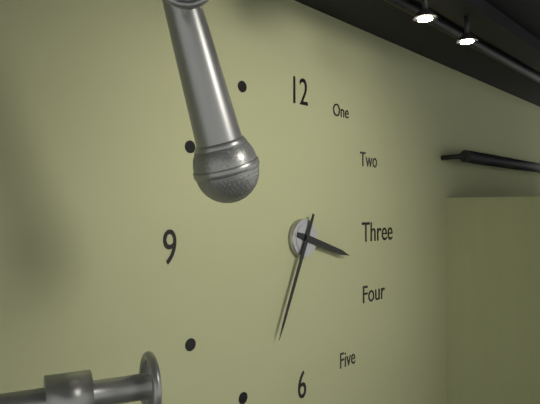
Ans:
3h34
